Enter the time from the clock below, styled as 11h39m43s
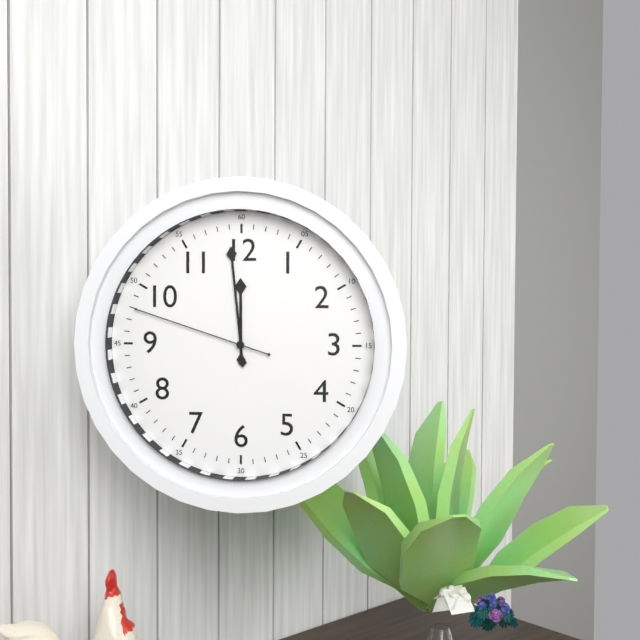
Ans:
11h59m48s
